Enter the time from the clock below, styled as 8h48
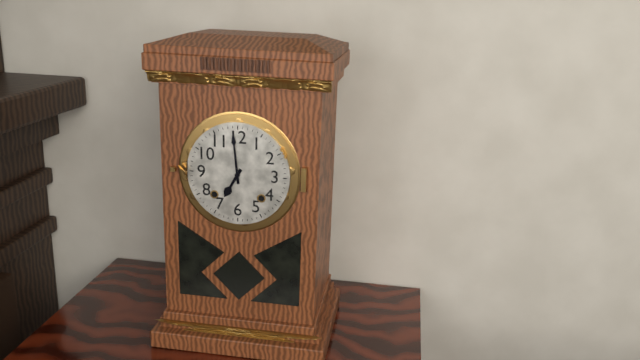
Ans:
6h59
